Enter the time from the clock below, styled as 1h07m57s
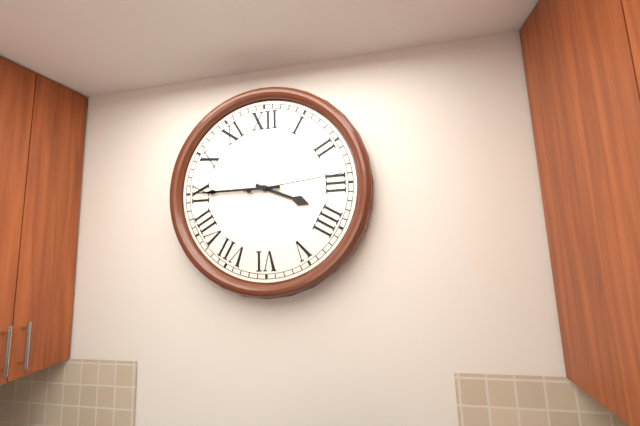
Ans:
3h45m14s
